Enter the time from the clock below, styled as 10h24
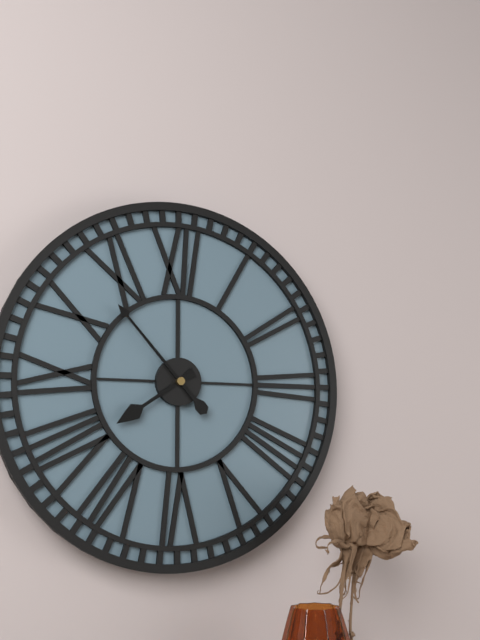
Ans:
7h53
